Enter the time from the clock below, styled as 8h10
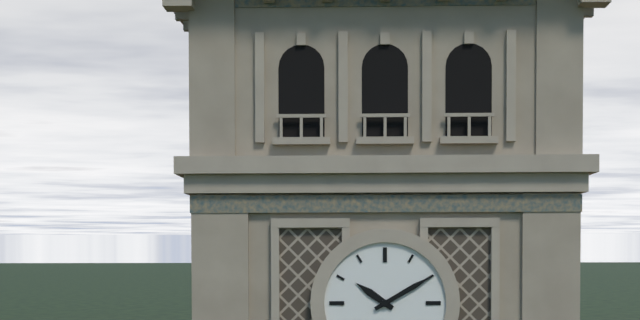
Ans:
10h10
